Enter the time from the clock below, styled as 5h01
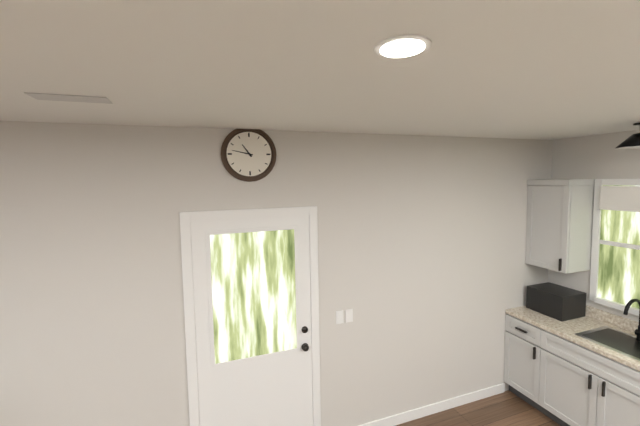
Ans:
10h47
